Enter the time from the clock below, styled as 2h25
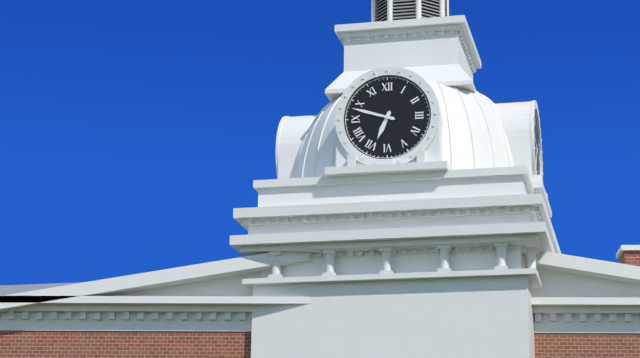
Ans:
6h48
